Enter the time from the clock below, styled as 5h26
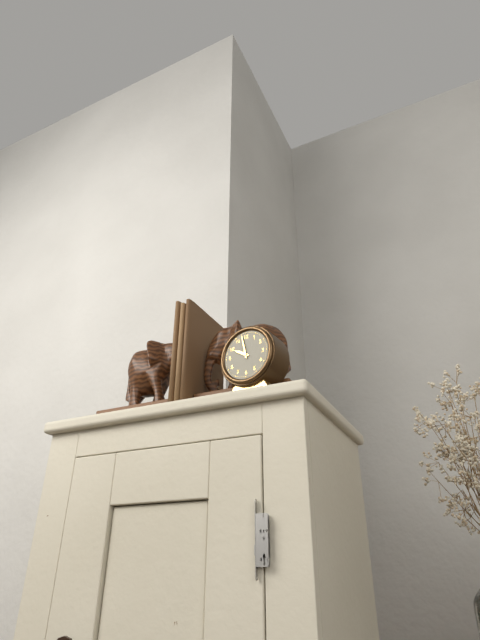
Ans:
9h58
